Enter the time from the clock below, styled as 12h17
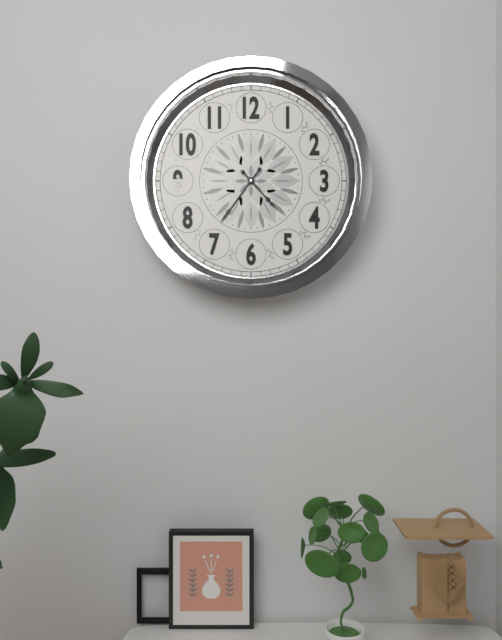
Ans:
4h36
